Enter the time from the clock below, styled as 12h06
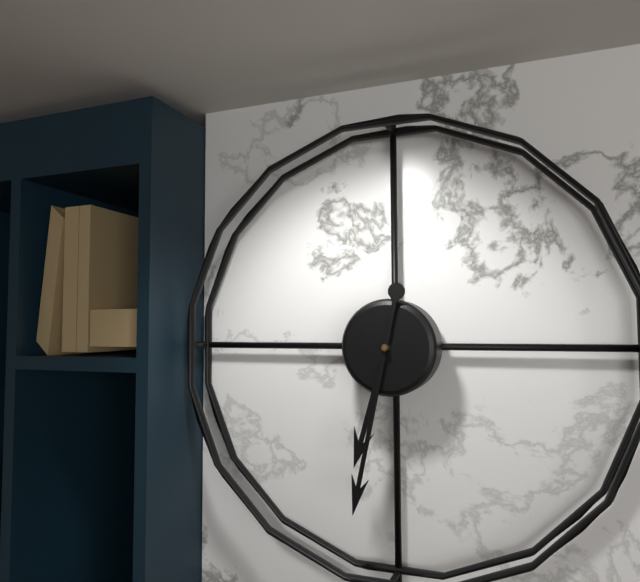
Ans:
6h32
